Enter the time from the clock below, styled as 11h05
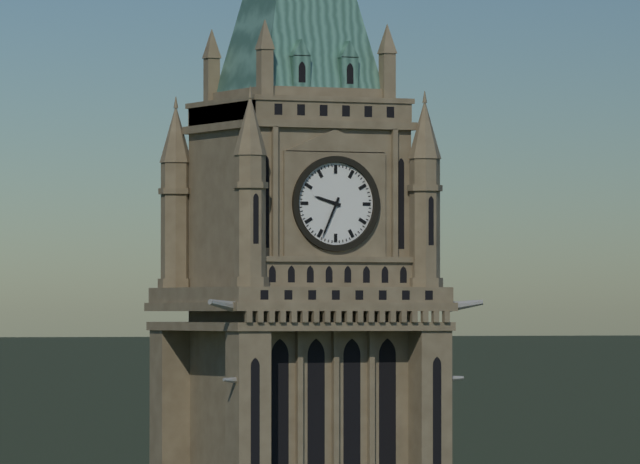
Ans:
9h34
